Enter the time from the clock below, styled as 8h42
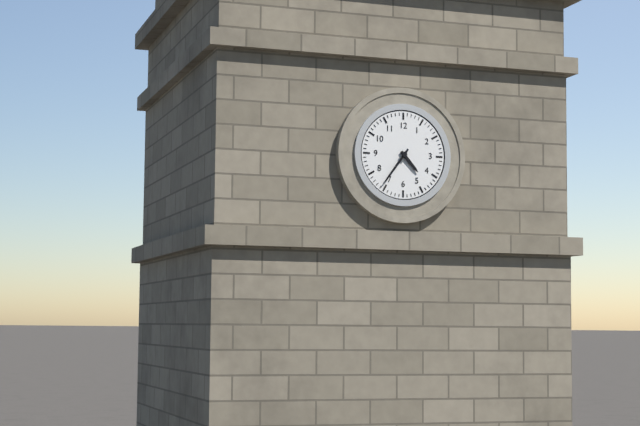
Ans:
4h36
